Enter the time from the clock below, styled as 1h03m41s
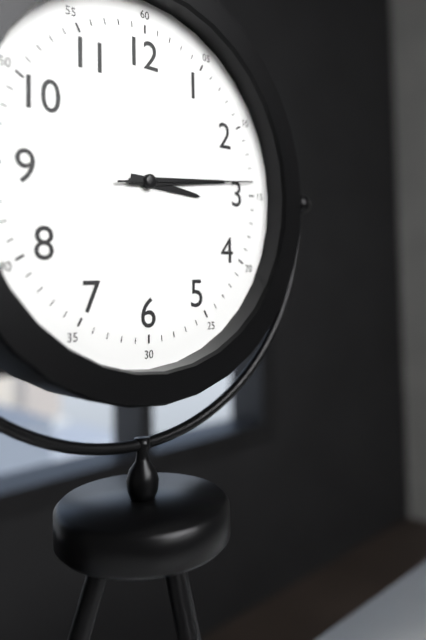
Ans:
3h14m14s
